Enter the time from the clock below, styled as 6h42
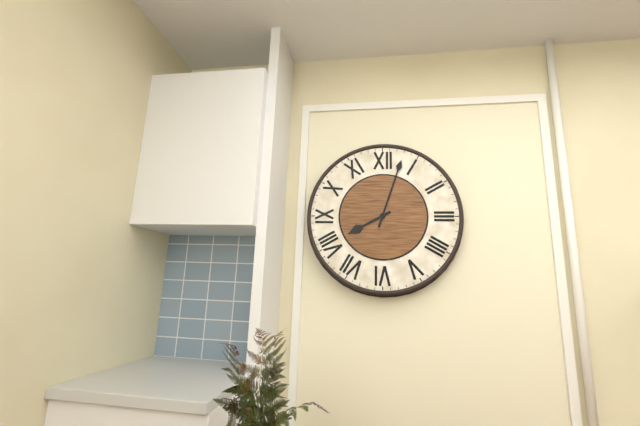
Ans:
8h03
